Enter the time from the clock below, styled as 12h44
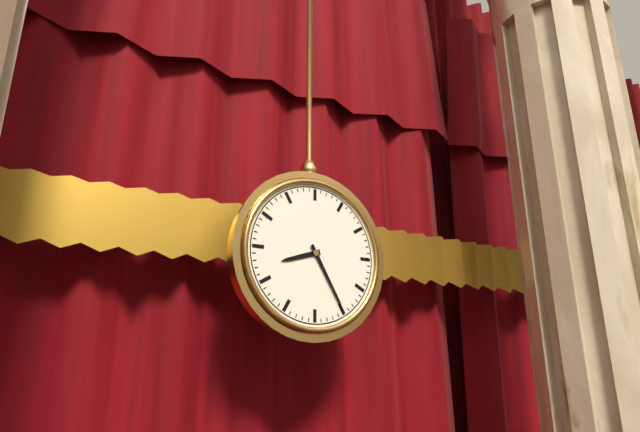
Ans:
8h25
